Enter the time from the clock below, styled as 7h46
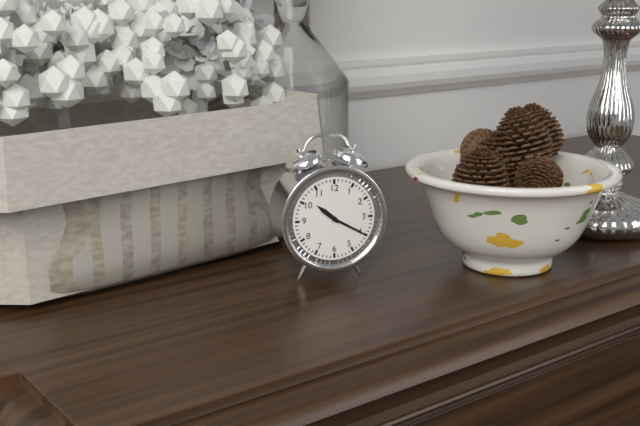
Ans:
10h20
